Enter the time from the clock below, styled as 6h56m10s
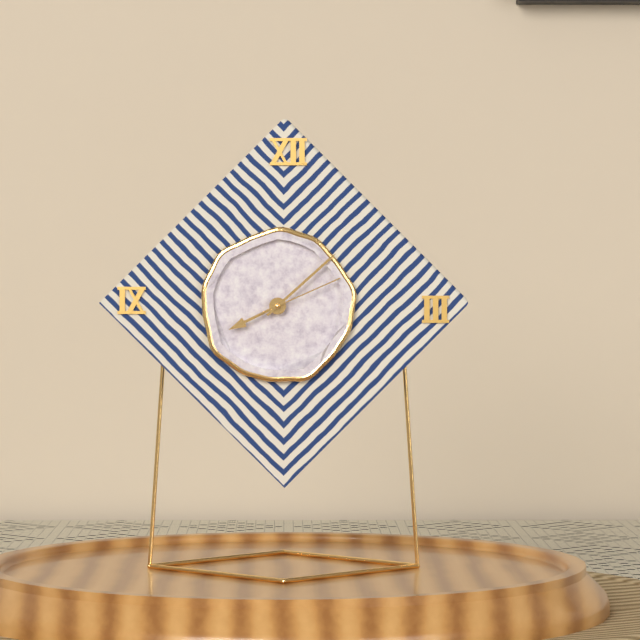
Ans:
8h08m11s
